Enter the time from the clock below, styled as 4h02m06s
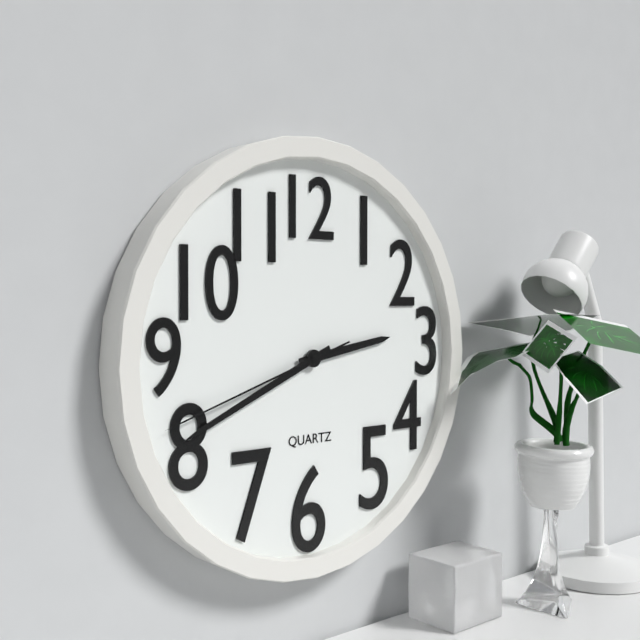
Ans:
2h41m42s
